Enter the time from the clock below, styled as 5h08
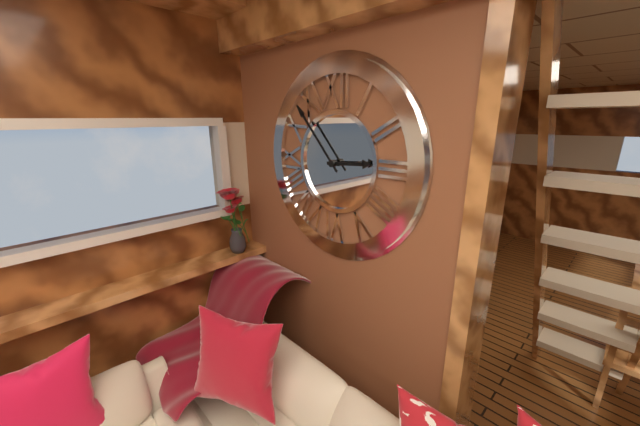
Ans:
2h53
